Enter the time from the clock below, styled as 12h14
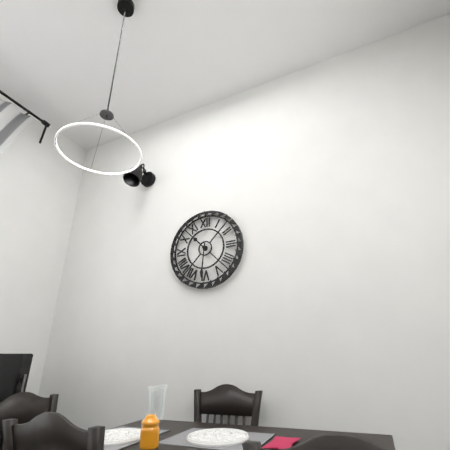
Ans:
10h31
